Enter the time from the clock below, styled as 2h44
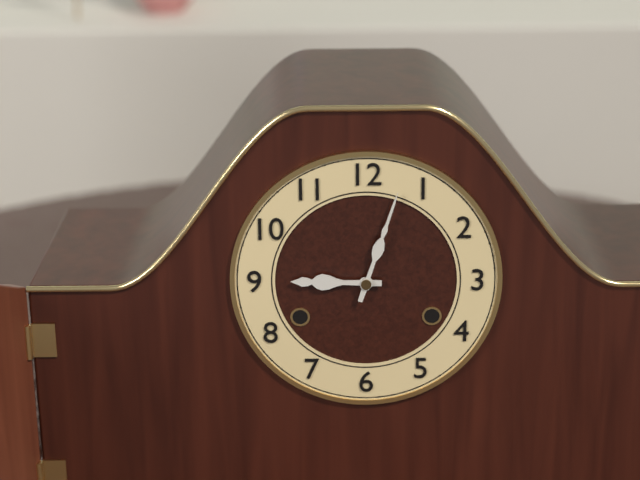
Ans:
9h03
